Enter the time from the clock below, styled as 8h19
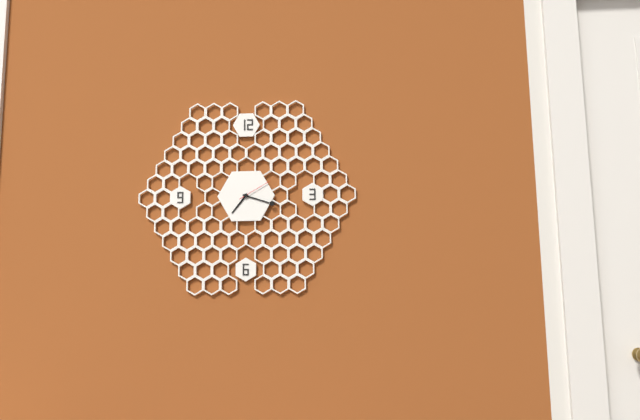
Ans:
7h18
